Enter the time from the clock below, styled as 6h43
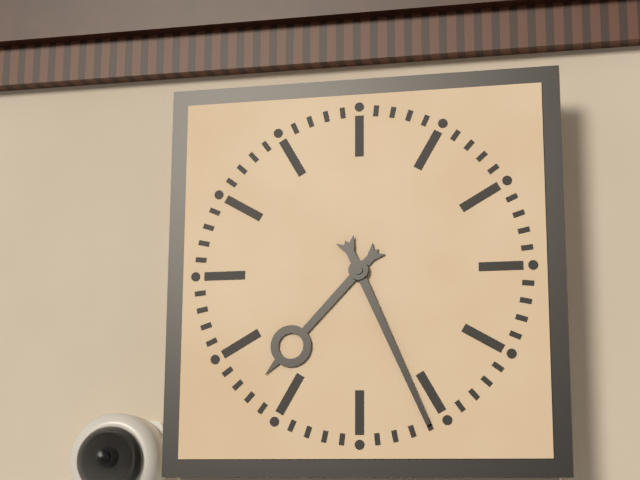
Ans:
7h26
